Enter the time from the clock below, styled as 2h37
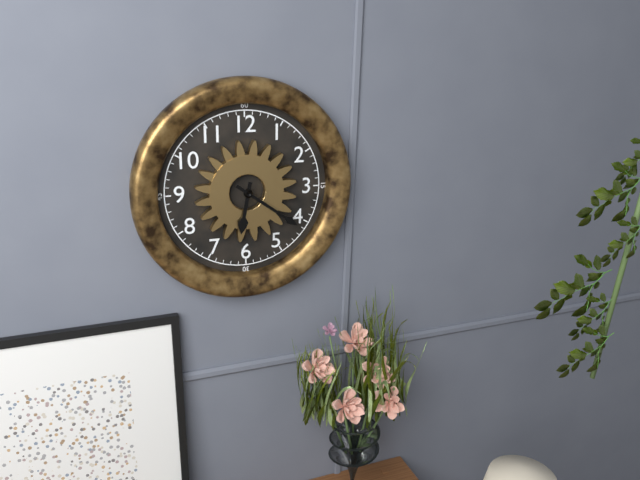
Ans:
6h21
